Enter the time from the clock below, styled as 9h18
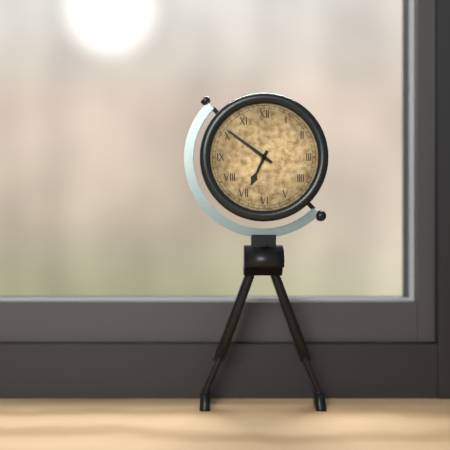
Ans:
6h51
